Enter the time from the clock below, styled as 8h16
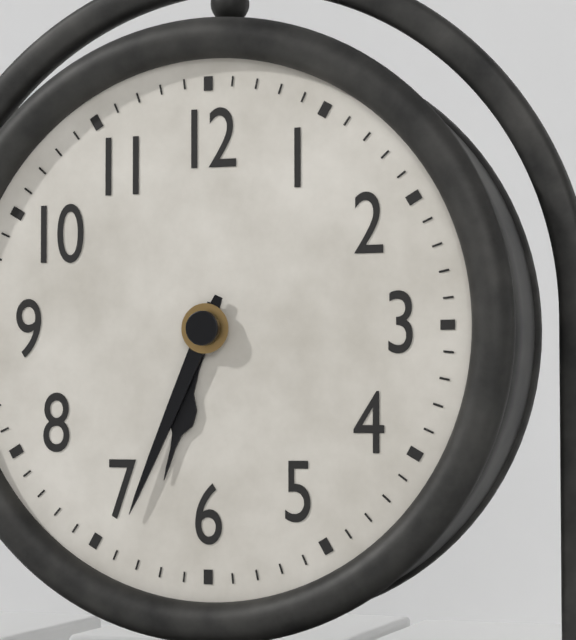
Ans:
6h34
